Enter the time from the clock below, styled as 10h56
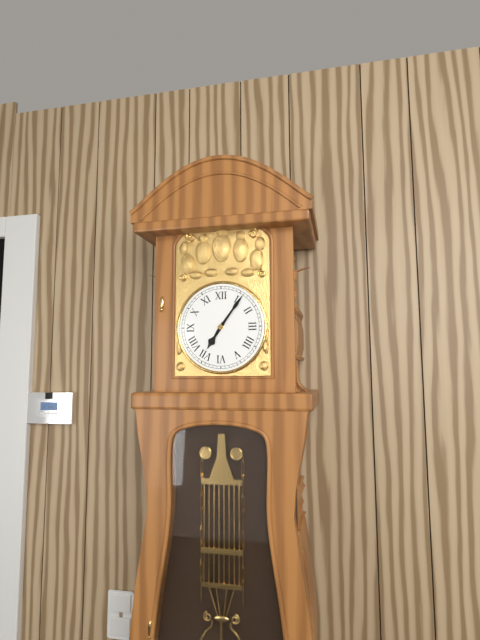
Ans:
7h06
